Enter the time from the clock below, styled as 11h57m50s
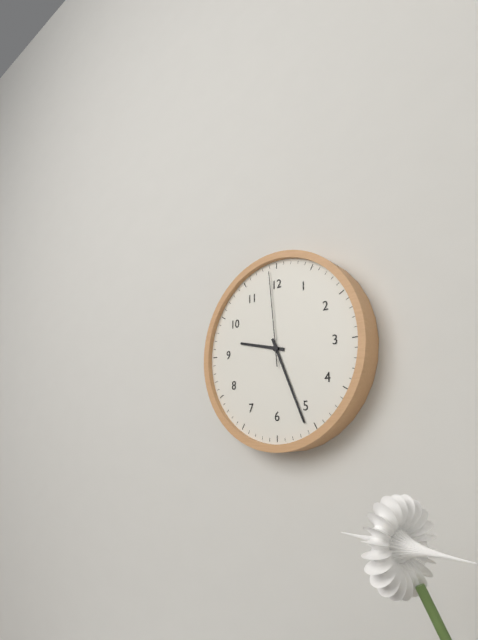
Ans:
9h26m59s
